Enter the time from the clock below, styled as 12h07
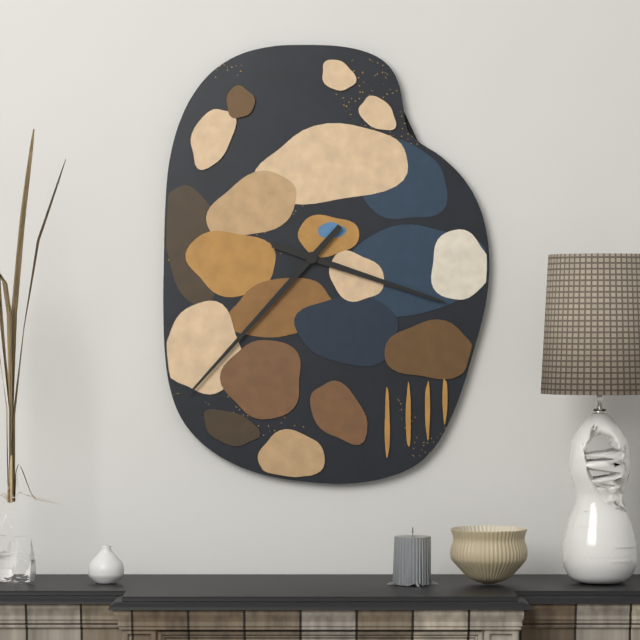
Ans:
3h37
